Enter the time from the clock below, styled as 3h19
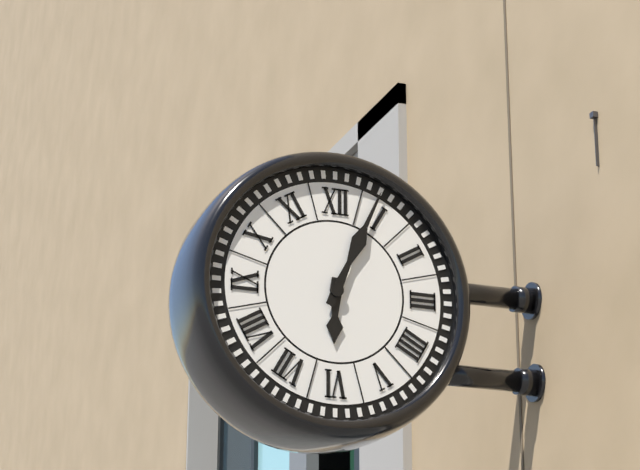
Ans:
6h04
